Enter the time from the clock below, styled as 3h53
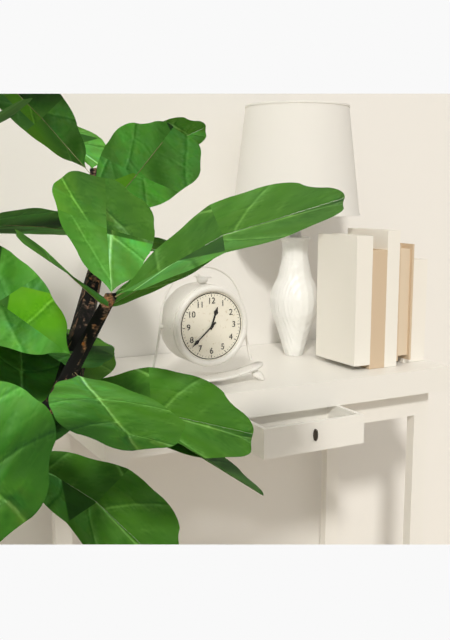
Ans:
12h38
